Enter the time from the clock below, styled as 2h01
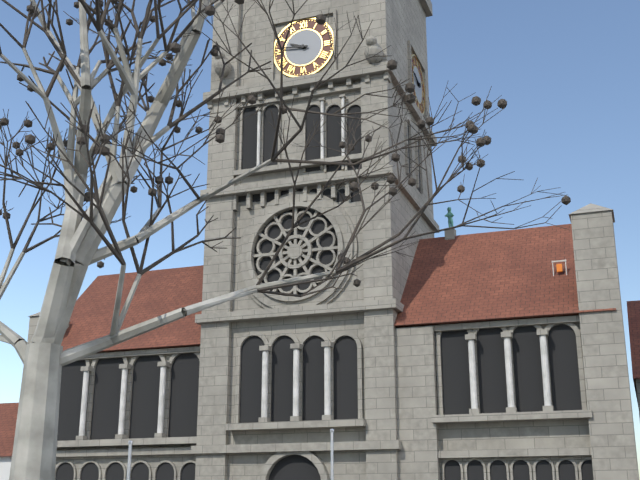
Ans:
9h46
